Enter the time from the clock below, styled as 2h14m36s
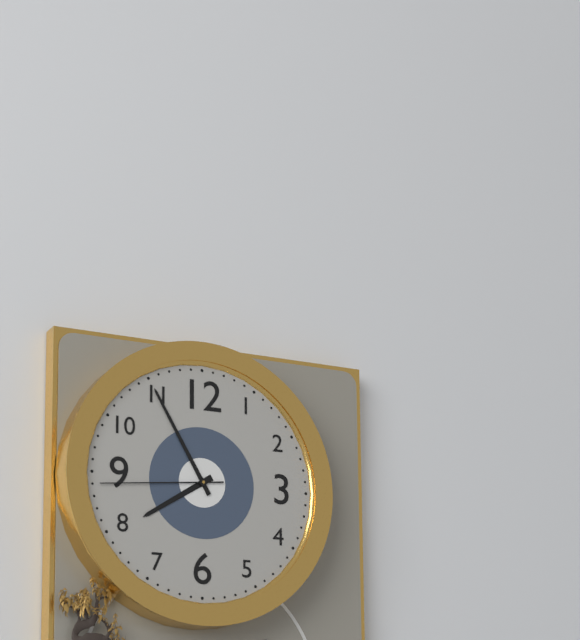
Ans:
7h55m44s
